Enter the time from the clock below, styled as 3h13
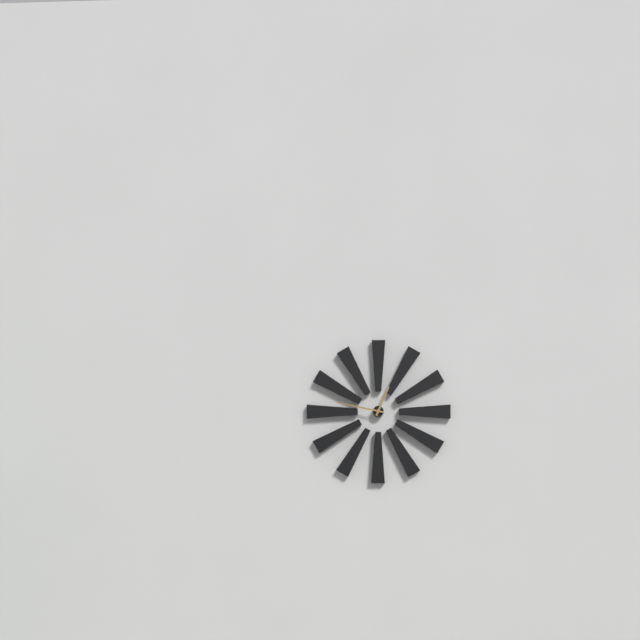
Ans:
12h47
